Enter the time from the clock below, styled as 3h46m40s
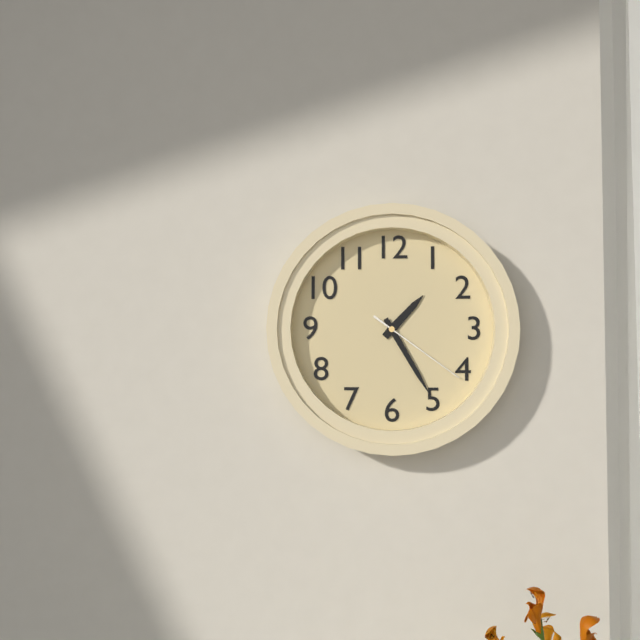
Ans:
1h25m21s
